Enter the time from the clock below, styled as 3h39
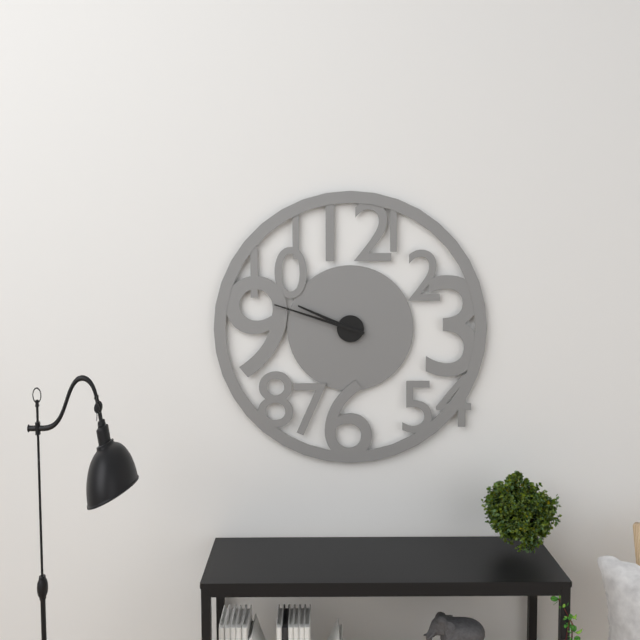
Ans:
9h48
